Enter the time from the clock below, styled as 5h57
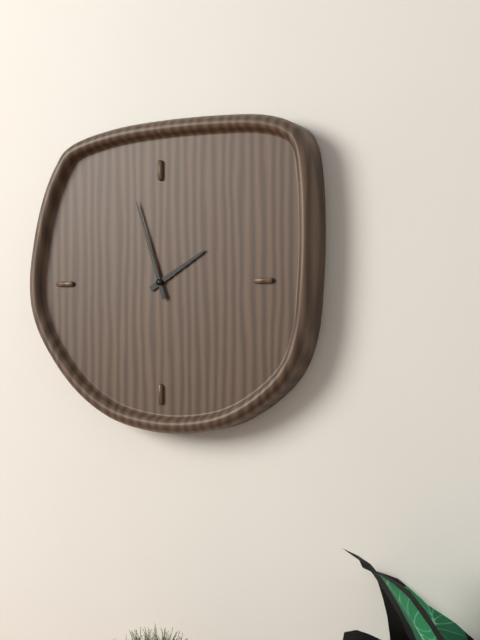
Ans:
1h57
